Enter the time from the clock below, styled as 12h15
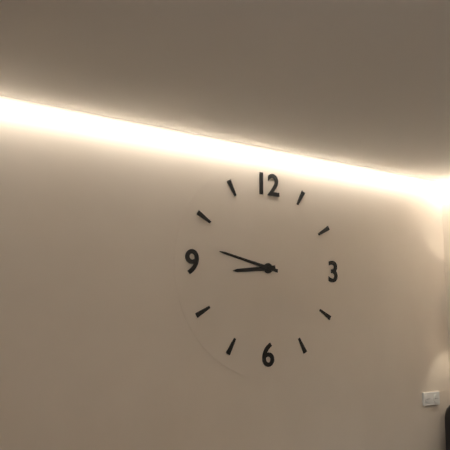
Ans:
8h47
